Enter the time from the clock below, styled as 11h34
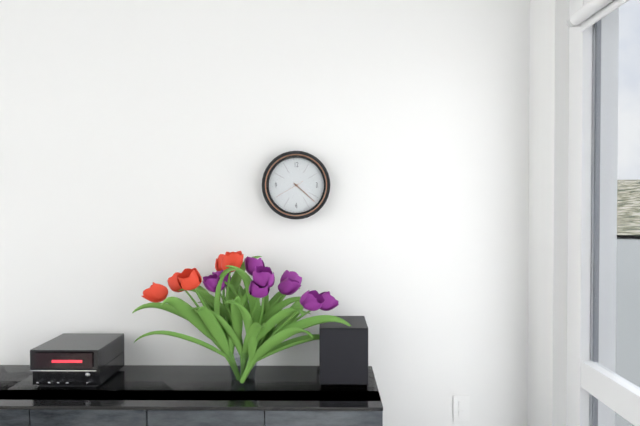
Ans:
4h22
